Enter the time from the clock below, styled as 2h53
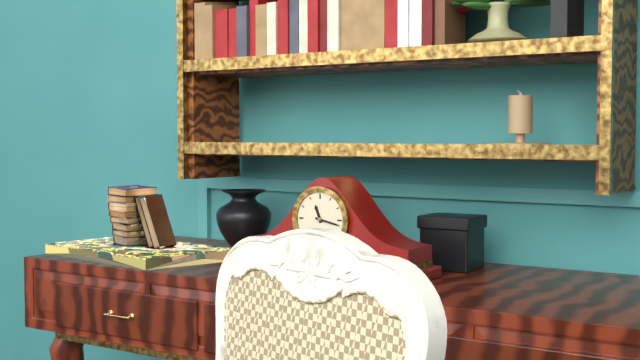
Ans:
11h17
